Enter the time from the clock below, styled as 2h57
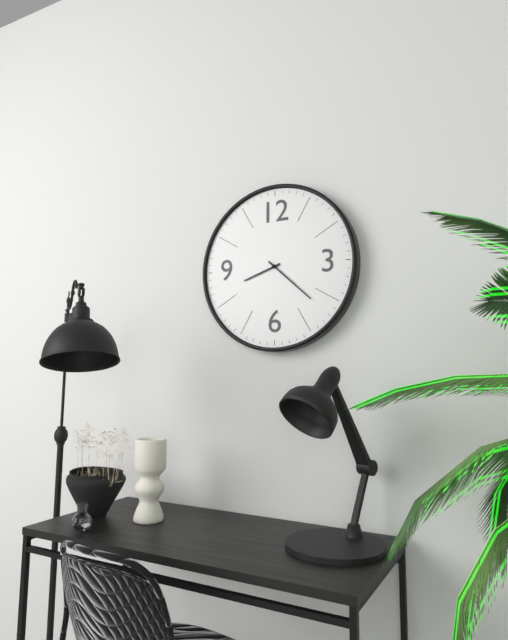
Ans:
8h22
